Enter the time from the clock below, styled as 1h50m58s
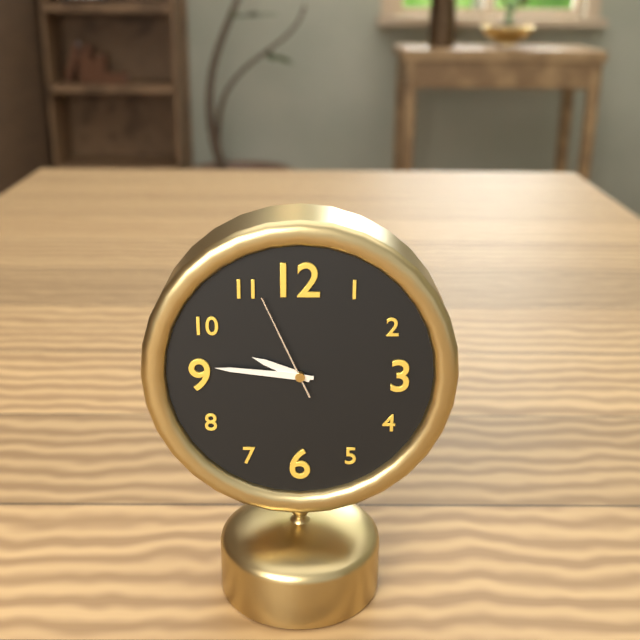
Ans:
9h46m56s
